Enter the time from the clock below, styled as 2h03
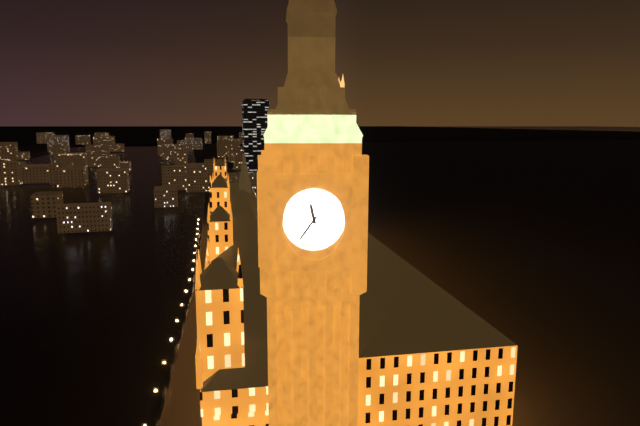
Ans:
11h36
